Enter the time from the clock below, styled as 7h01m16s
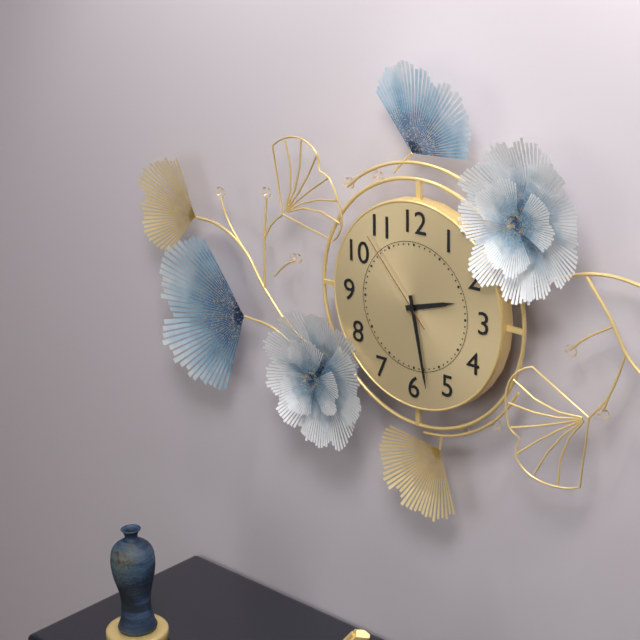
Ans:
2h28m53s
